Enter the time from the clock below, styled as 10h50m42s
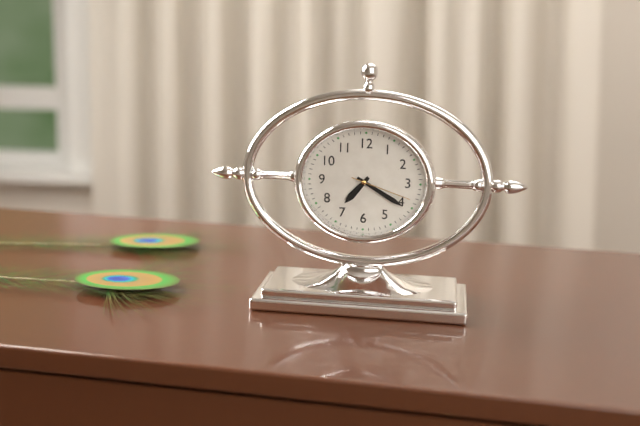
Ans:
7h20m18s
